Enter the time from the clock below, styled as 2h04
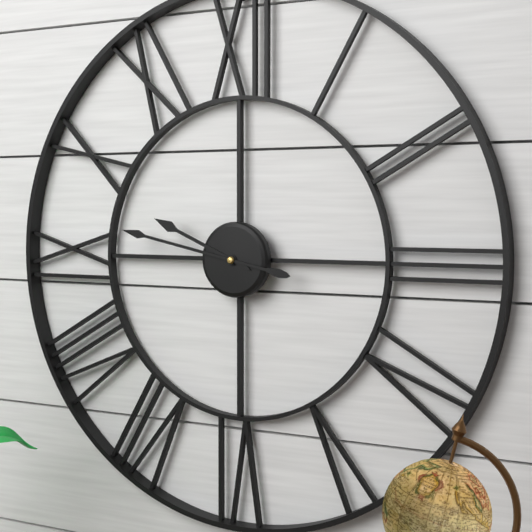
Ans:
9h47
